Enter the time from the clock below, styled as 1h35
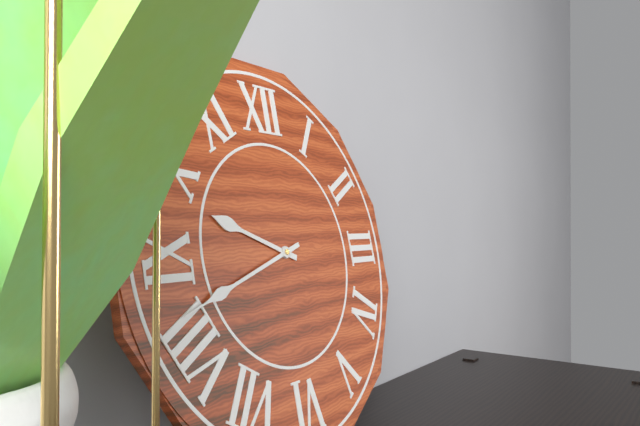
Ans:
9h42
